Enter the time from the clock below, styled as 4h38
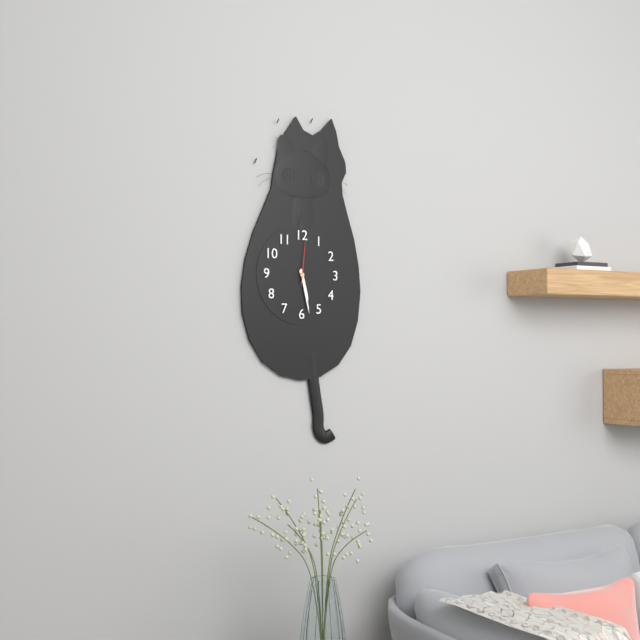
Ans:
5h28
